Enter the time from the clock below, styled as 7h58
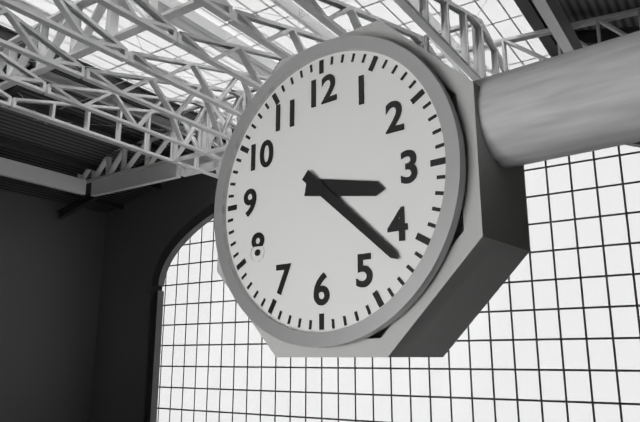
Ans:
3h22
